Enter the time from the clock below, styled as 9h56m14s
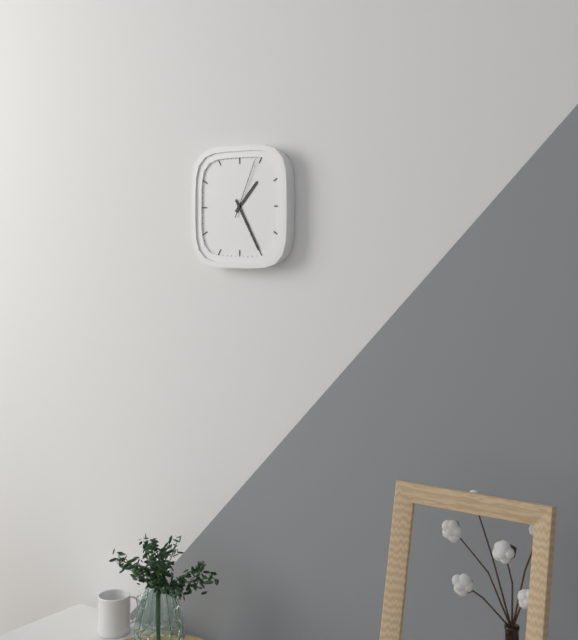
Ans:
1h25m04s
